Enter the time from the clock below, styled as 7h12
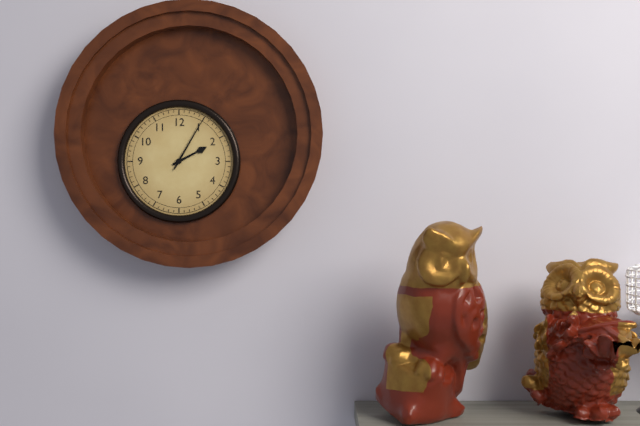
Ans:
2h05
